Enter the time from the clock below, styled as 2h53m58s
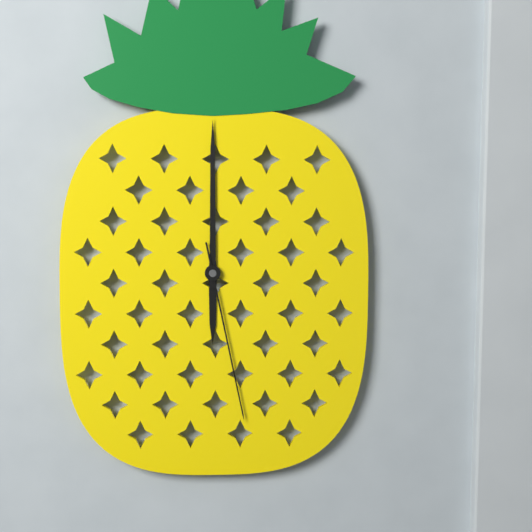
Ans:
6h00m28s
